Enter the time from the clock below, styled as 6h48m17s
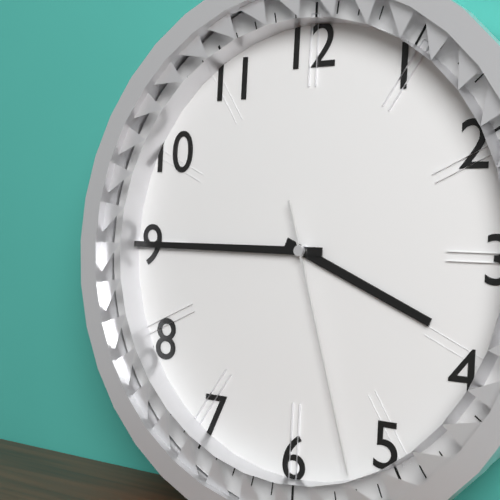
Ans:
3h45m27s
